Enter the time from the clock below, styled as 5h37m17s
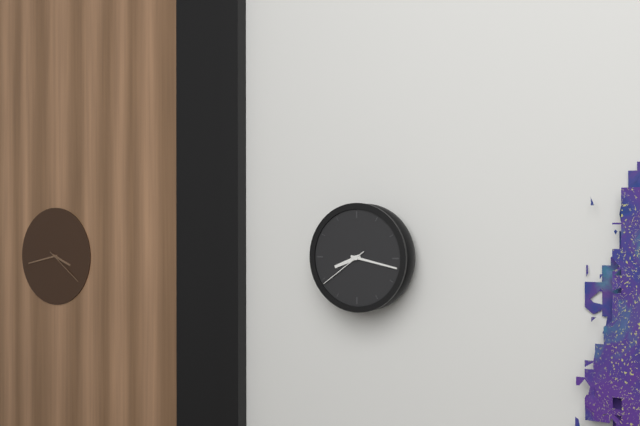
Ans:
8h17m39s
